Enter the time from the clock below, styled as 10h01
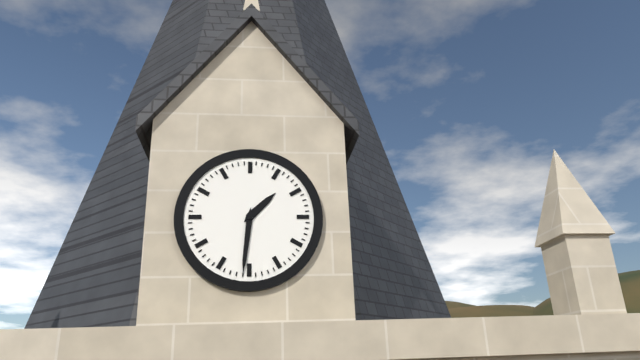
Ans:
1h31
